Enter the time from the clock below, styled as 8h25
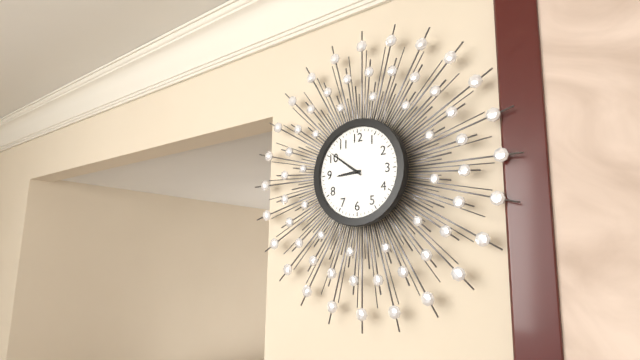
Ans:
8h51
